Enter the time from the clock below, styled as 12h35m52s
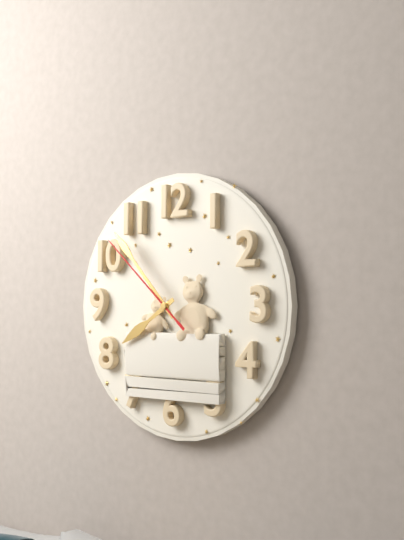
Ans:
7h53m52s
